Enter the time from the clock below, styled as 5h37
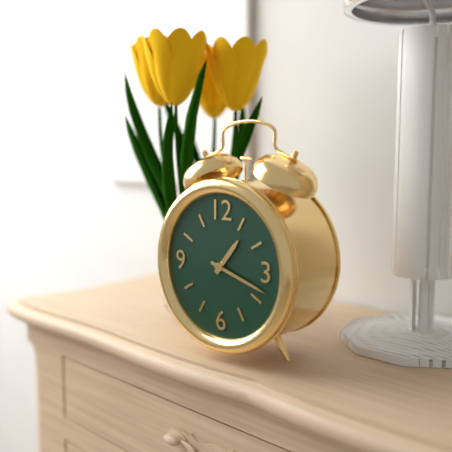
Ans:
1h18
